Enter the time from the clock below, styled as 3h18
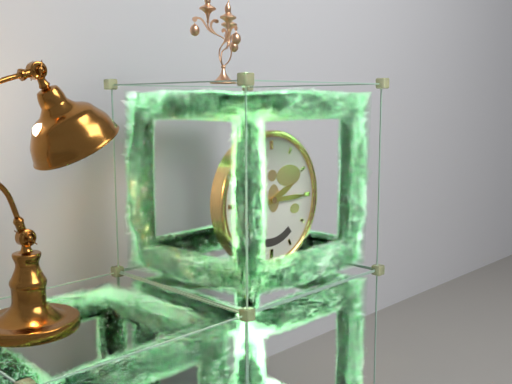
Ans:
2h15
